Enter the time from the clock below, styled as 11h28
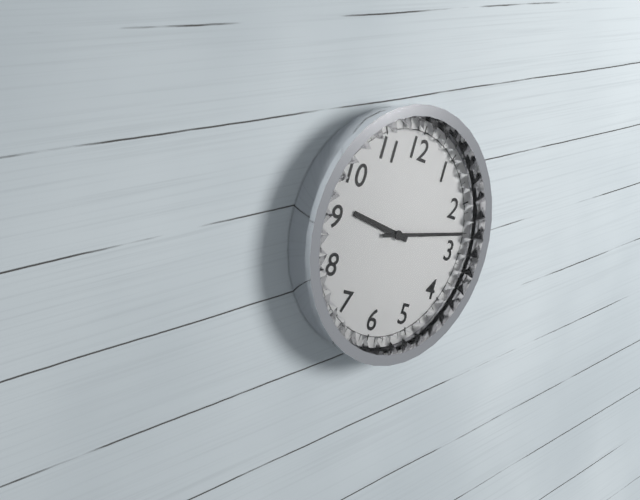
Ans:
9h13
